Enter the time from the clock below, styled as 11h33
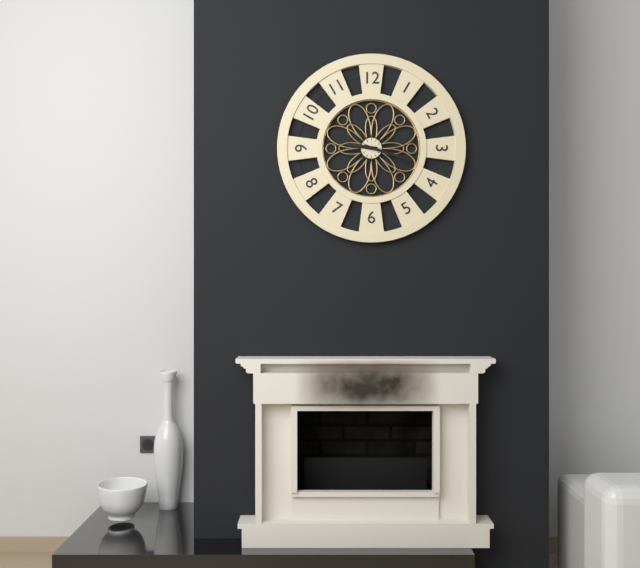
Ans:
9h18
